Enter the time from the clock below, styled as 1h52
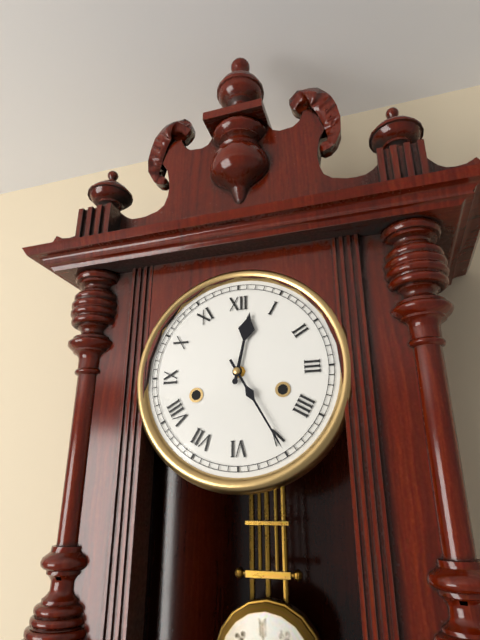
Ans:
12h25
